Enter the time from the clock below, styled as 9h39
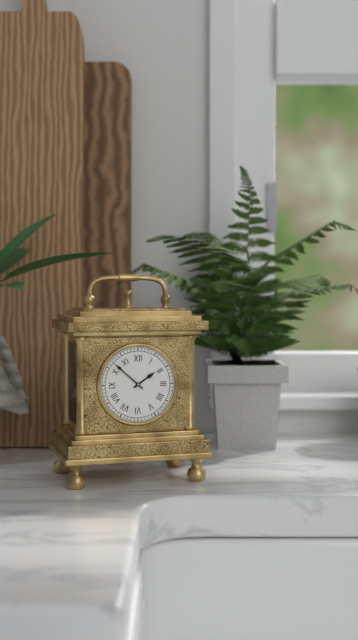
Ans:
1h52
